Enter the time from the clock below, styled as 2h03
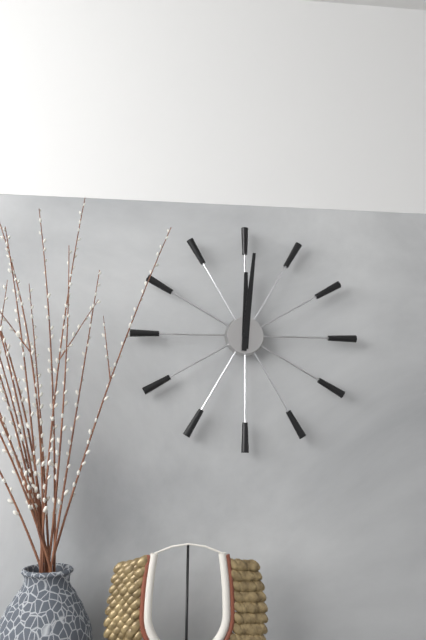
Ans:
12h01
